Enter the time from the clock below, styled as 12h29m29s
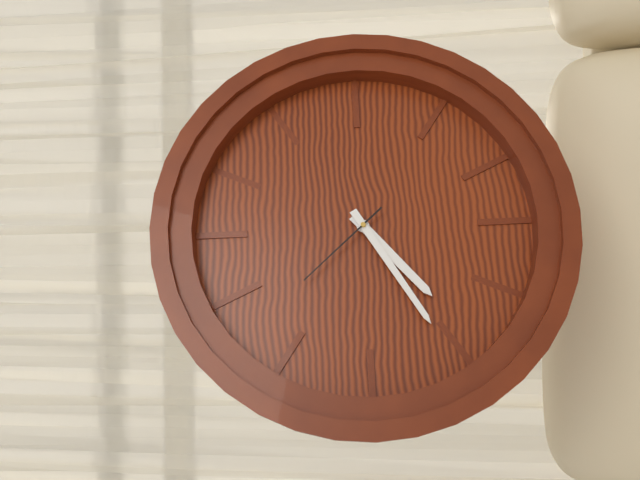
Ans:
7h40m53s
